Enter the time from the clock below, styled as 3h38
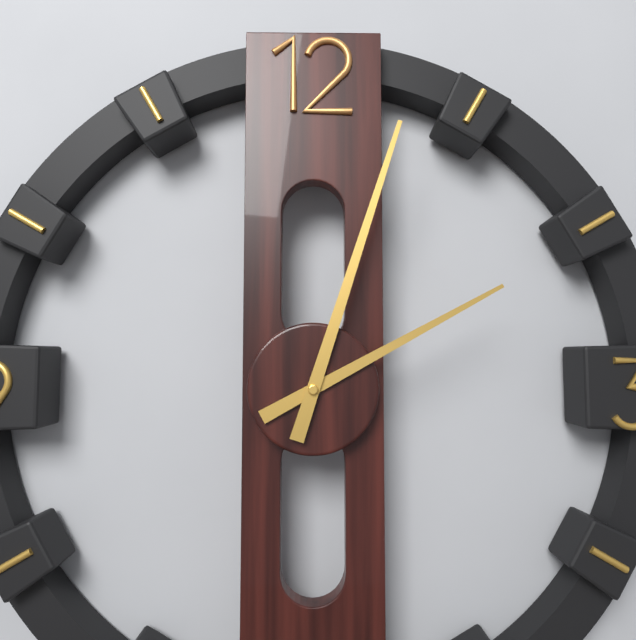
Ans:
2h03
